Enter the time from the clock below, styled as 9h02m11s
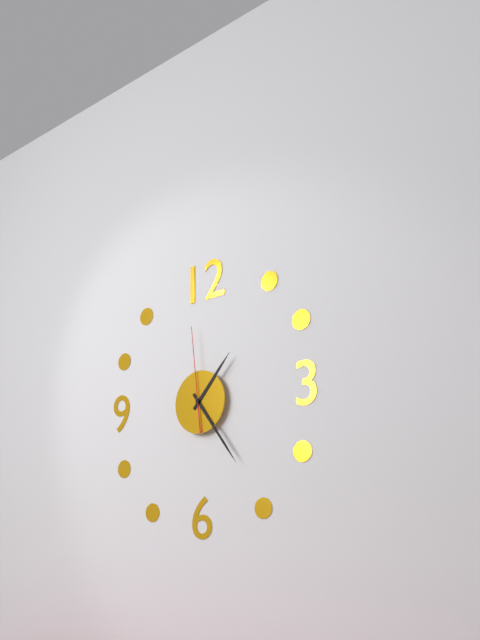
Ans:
1h24m59s
